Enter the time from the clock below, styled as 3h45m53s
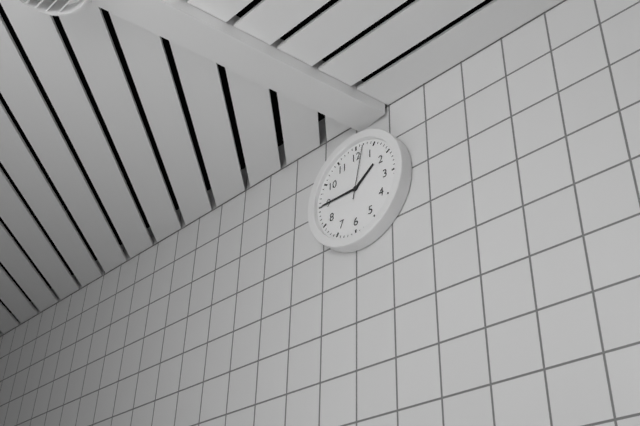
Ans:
1h45m02s
